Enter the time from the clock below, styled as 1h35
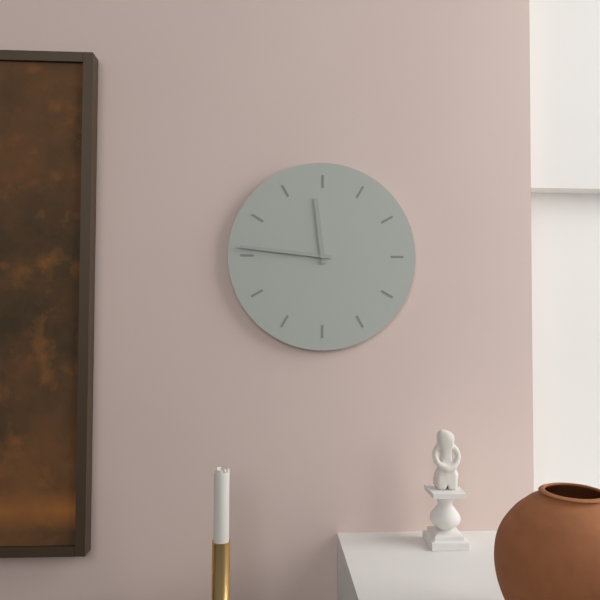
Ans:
11h46
